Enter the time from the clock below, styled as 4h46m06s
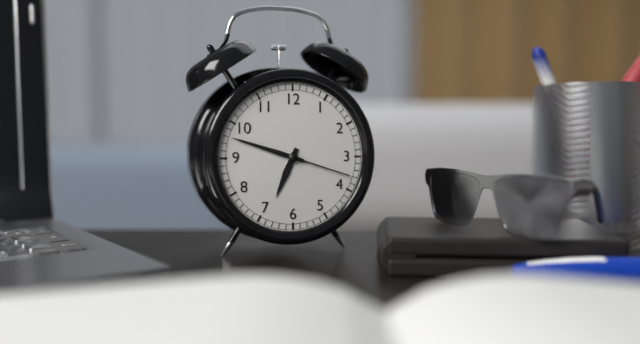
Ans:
6h48m18s
